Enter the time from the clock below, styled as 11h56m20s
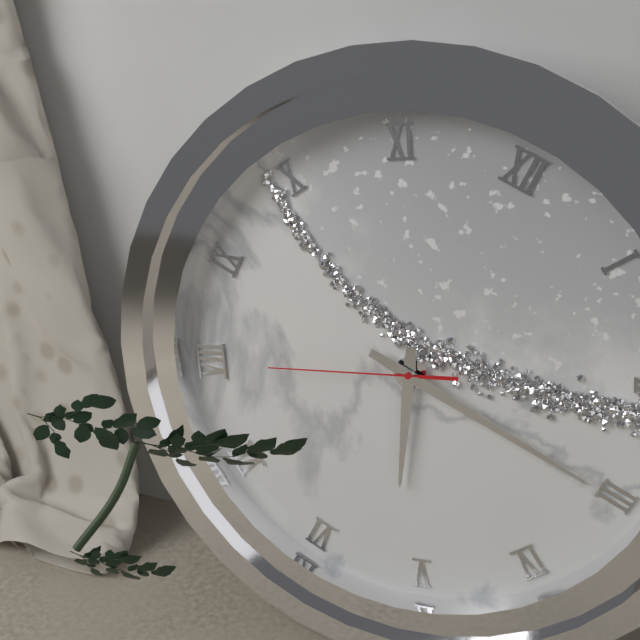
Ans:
5h15m40s
